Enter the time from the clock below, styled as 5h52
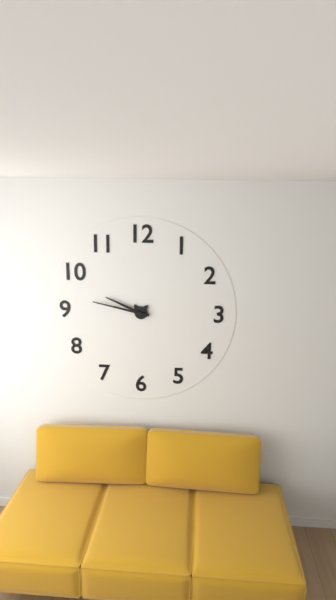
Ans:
9h47
